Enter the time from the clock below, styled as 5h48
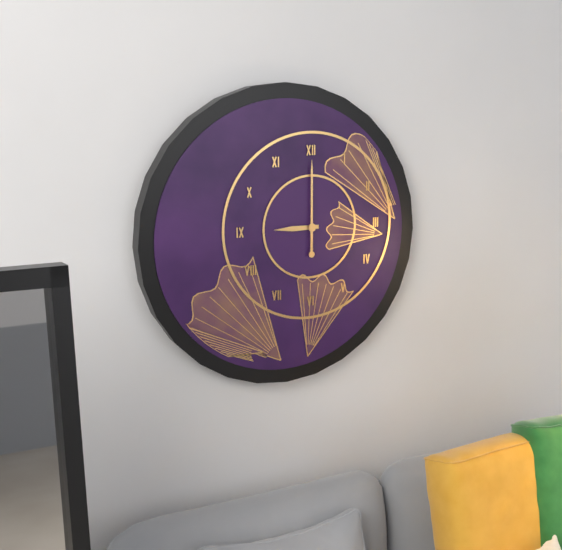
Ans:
9h00
